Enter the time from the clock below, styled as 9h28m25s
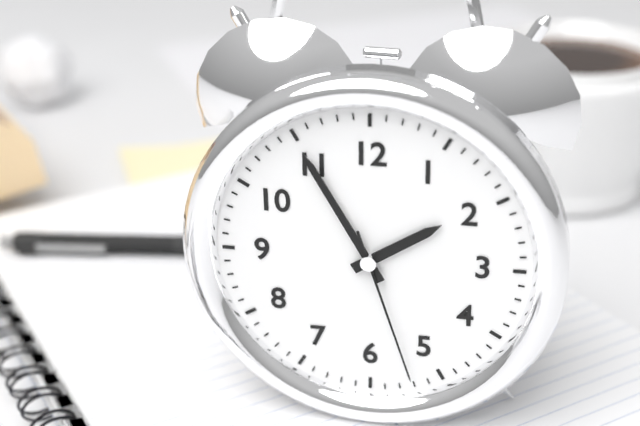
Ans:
1h55m27s
